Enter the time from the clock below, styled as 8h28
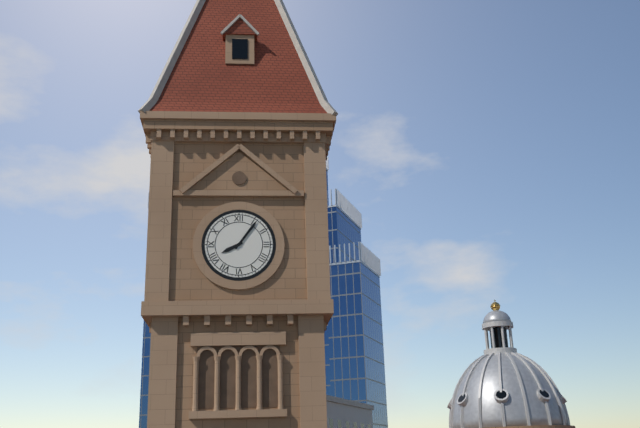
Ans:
8h06
